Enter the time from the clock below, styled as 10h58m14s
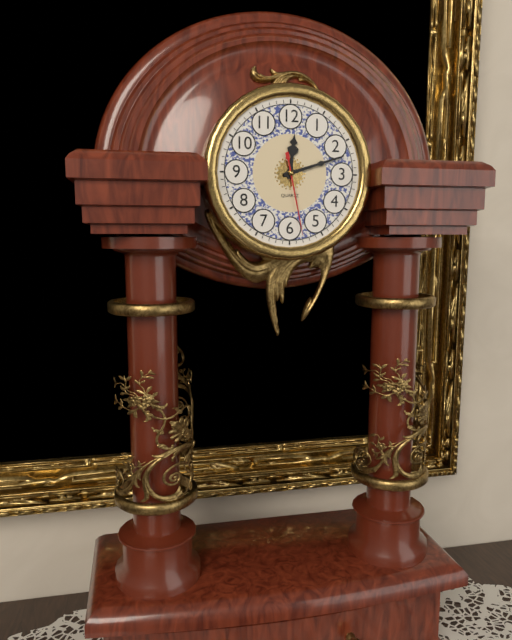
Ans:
12h12m28s
